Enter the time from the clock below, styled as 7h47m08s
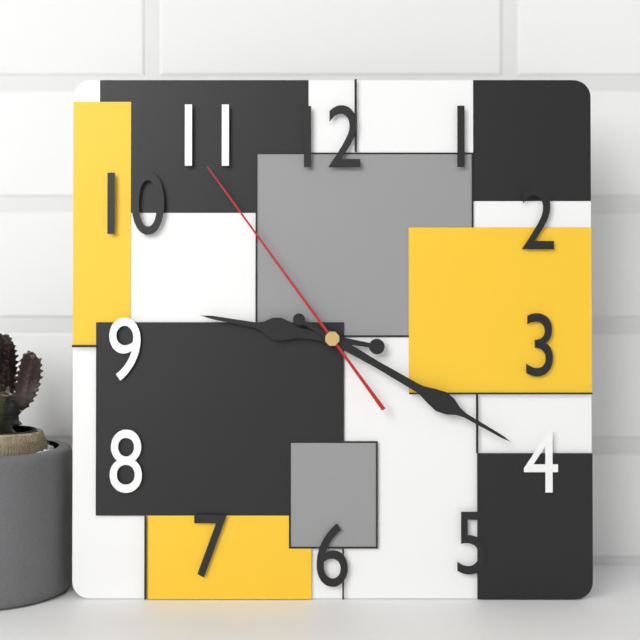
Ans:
9h20m54s
